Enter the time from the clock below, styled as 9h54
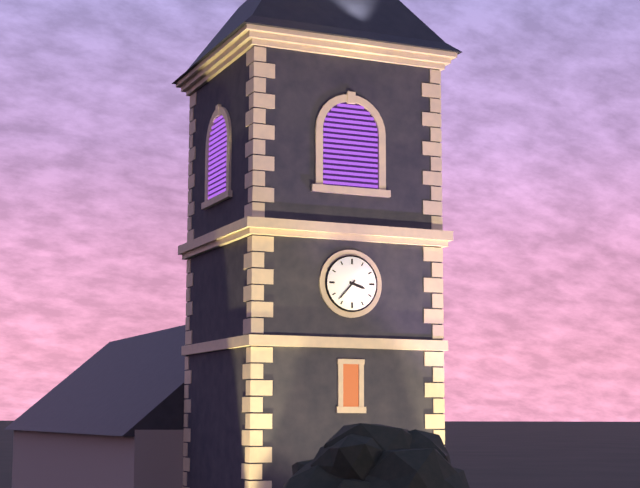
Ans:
3h37
